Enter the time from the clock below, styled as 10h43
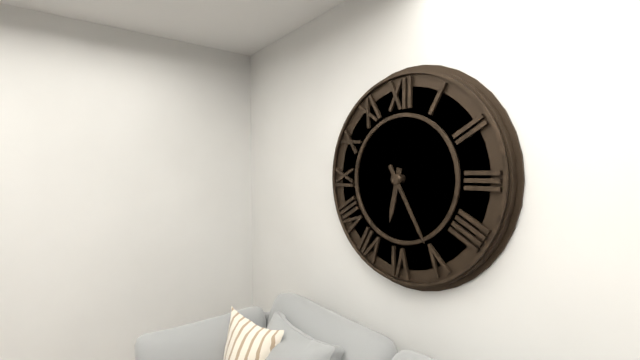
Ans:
6h25
